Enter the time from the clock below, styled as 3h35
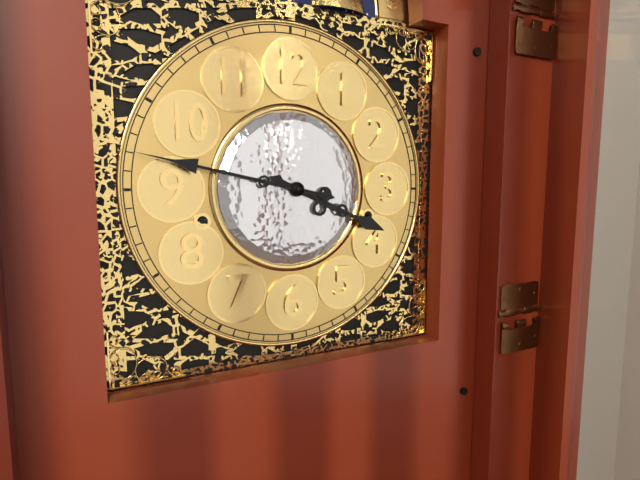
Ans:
3h47
